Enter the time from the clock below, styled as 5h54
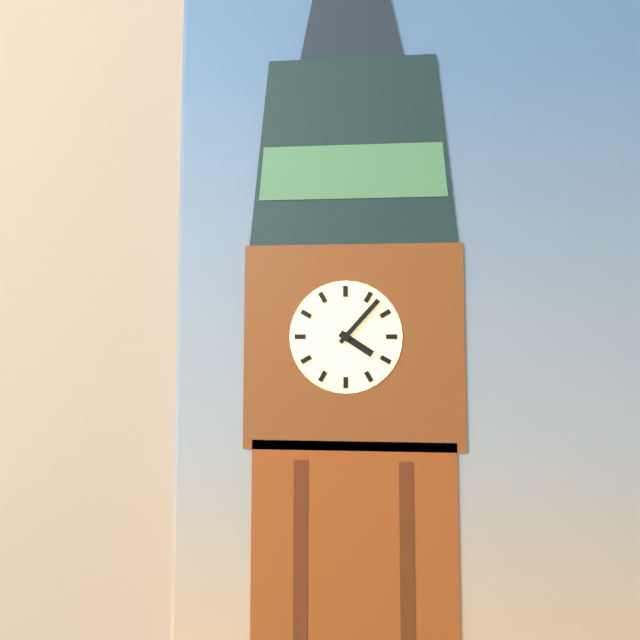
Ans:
4h07
